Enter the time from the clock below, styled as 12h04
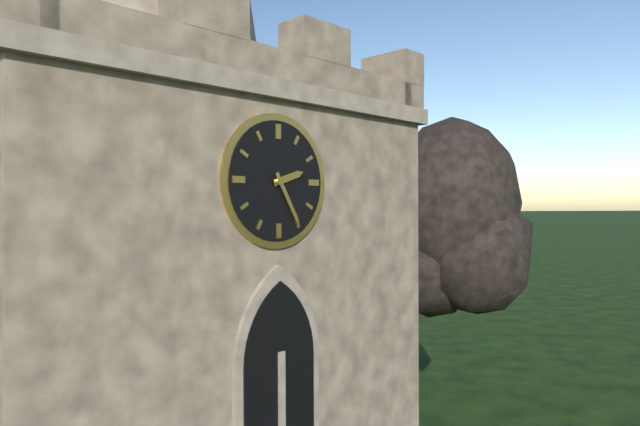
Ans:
2h25
